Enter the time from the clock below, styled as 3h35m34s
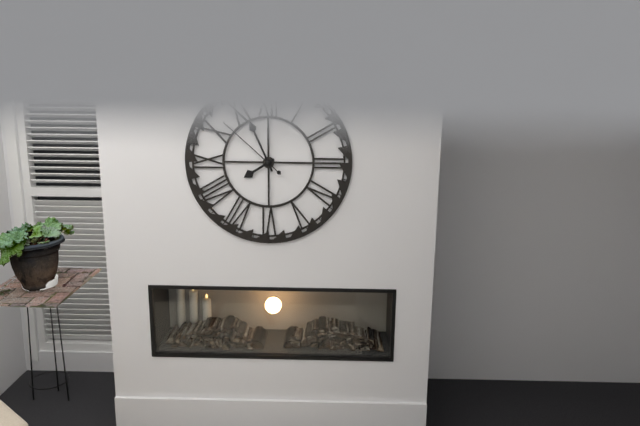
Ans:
7h56m52s
